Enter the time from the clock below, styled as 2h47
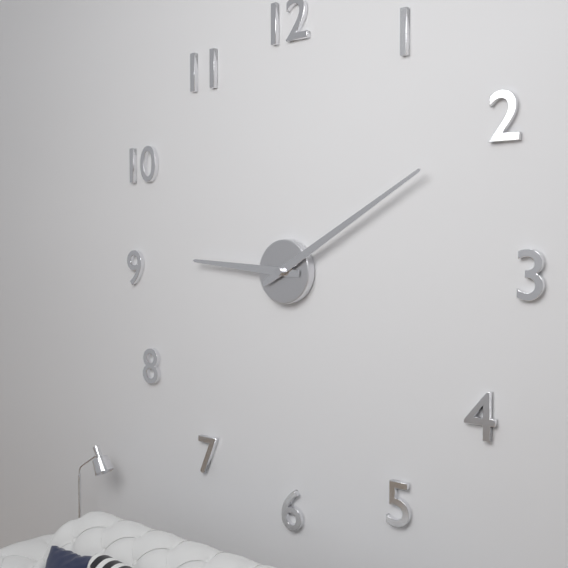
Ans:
9h10
